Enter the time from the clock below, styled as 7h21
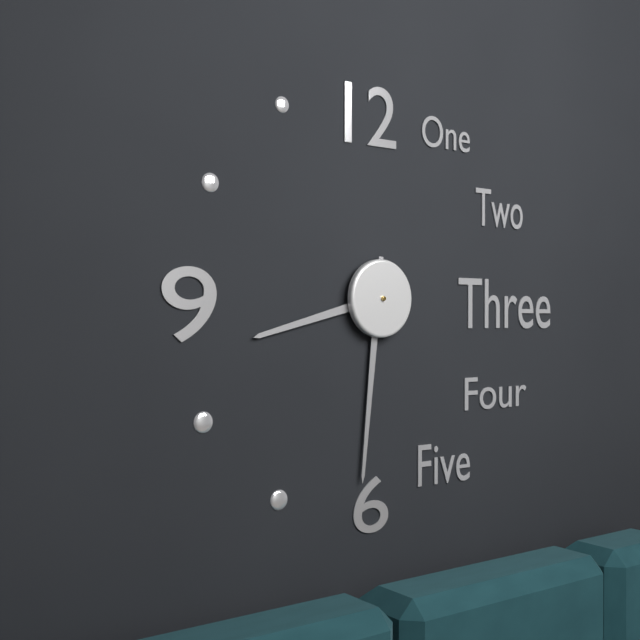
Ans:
8h31
